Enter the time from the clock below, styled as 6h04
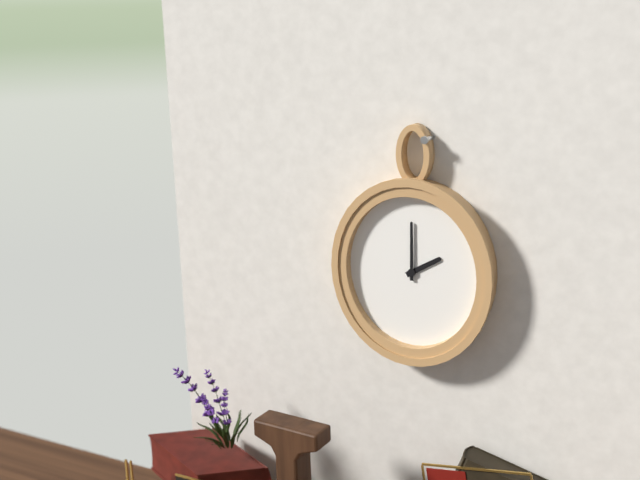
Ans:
2h00
